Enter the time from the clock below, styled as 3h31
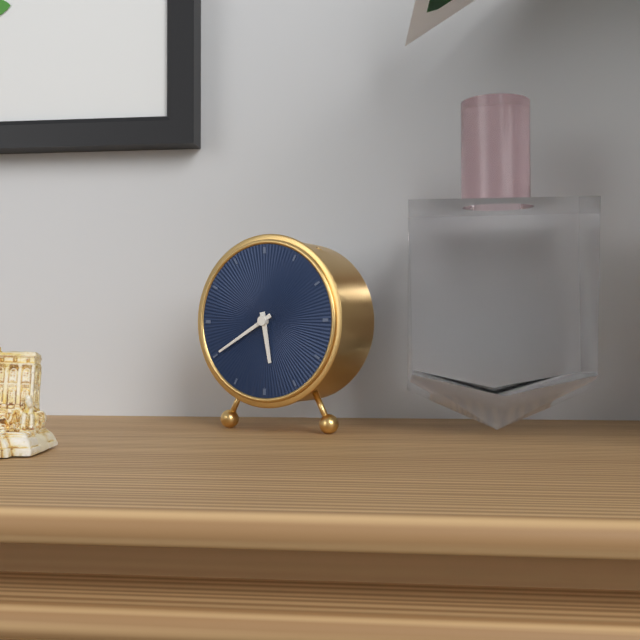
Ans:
5h40
